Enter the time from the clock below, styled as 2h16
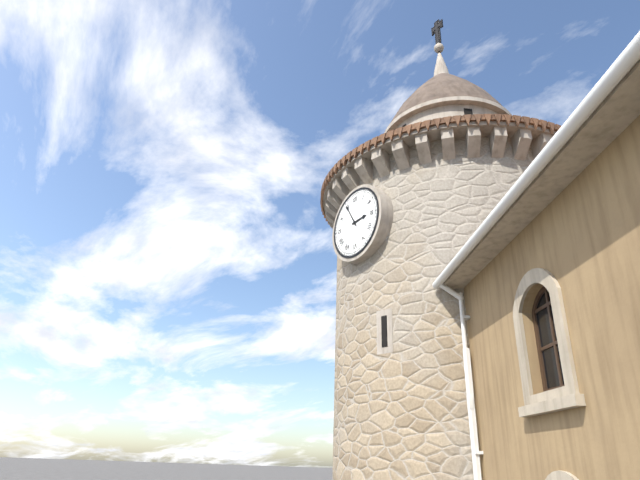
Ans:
2h55
